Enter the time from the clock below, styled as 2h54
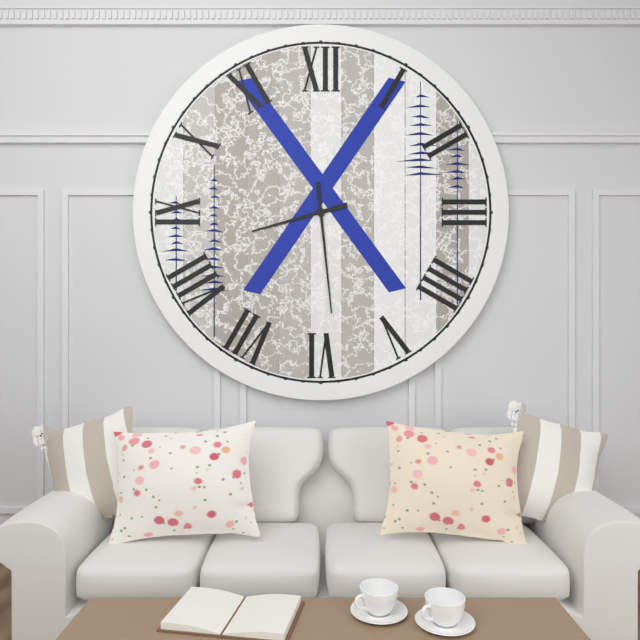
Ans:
8h29
